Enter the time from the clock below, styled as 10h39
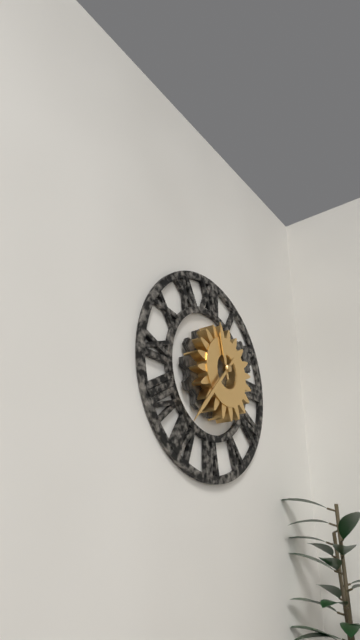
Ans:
11h37
